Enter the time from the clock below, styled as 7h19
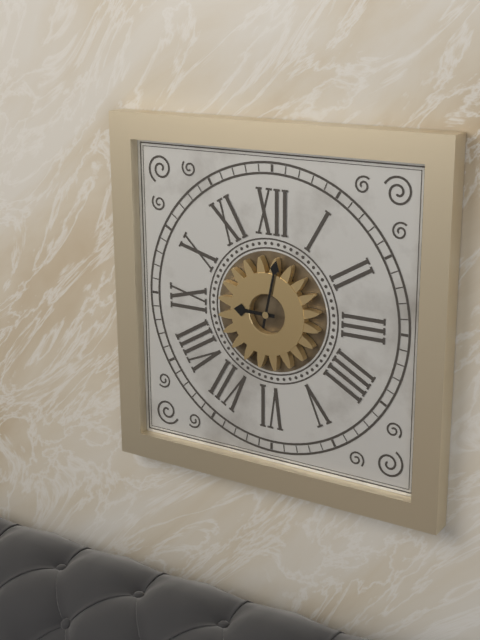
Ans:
9h02
